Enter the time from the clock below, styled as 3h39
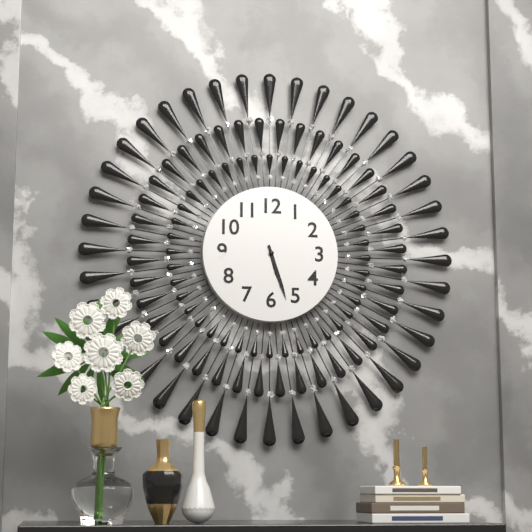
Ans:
5h27
